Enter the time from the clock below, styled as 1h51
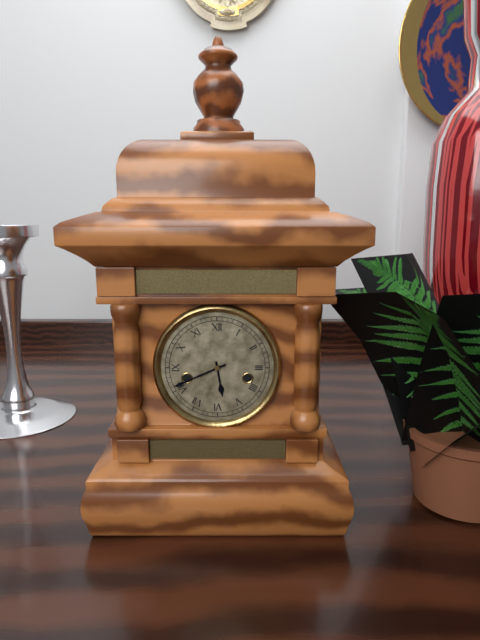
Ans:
5h41
